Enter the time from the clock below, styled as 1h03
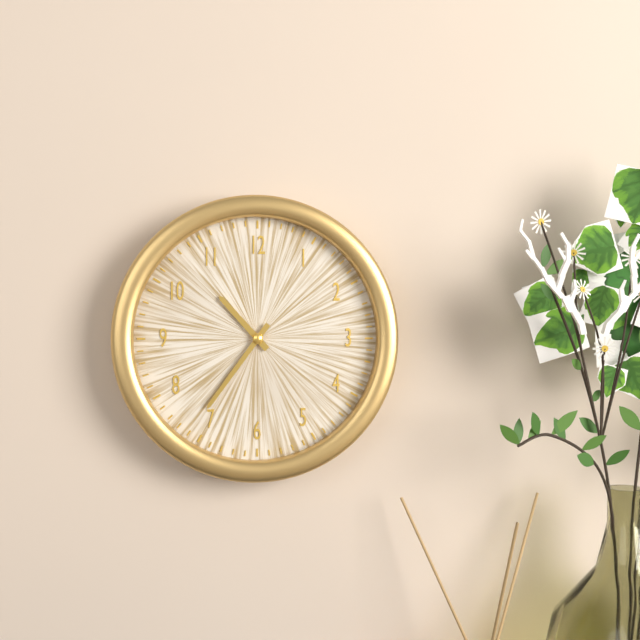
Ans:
10h36
